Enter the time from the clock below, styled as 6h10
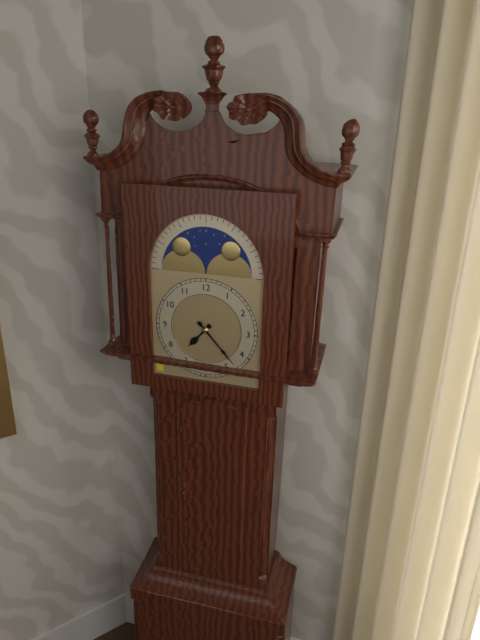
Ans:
7h23
